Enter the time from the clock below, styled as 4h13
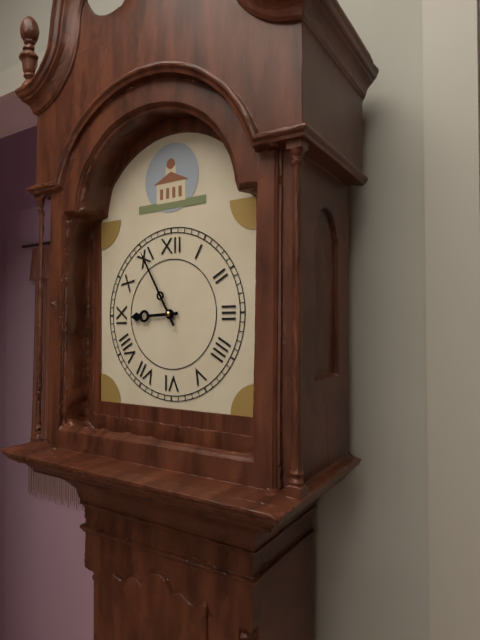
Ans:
8h55
